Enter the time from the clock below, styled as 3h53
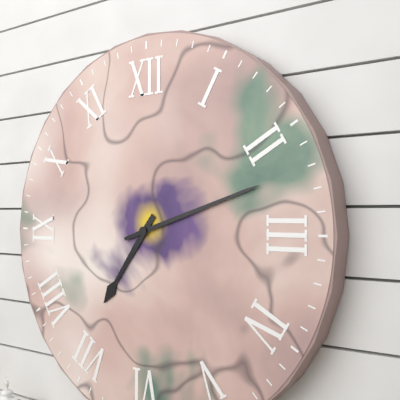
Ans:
7h12
